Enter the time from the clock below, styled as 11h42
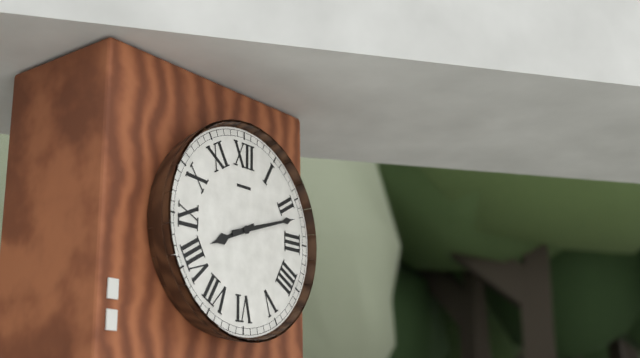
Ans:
8h12
